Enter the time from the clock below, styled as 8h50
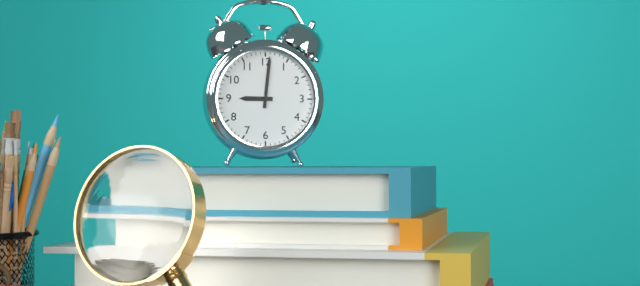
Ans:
9h01
